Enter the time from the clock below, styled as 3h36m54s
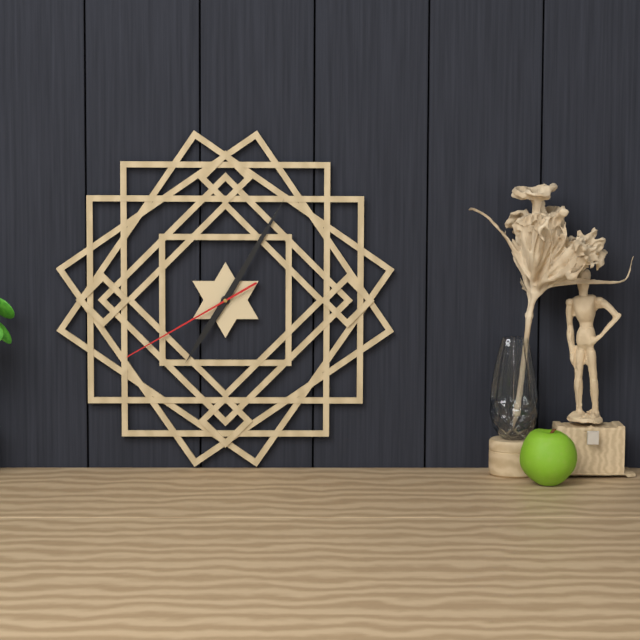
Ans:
7h05m40s
